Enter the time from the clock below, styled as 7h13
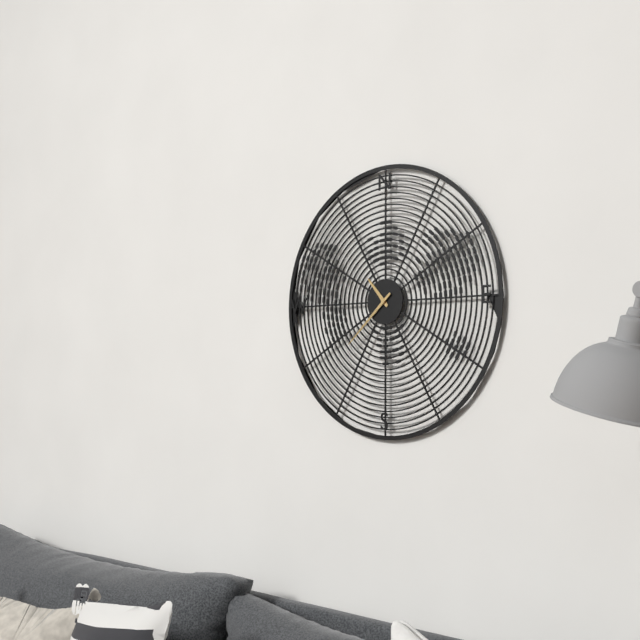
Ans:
10h38
